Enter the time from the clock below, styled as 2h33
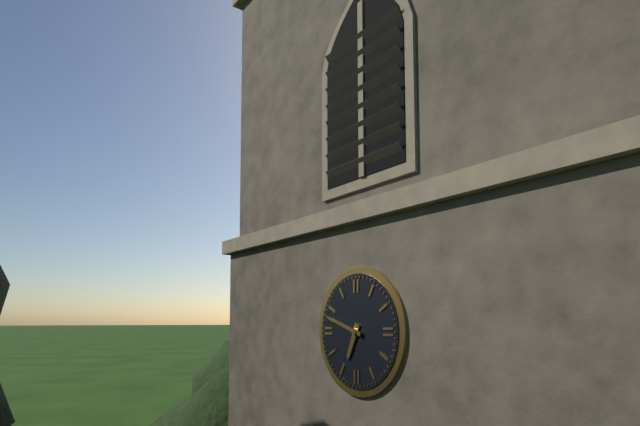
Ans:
6h48
